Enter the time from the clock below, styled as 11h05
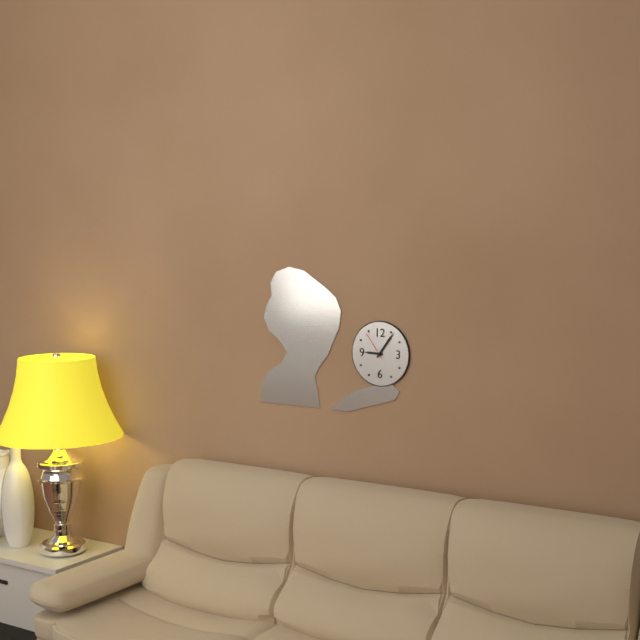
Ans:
9h06
